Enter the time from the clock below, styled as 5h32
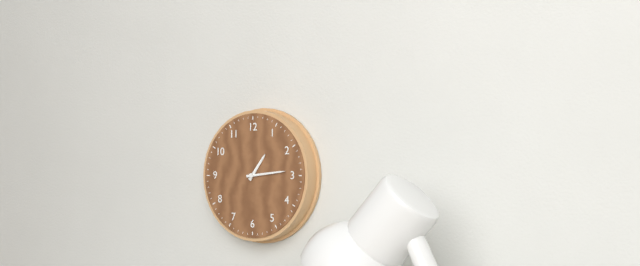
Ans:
1h14
